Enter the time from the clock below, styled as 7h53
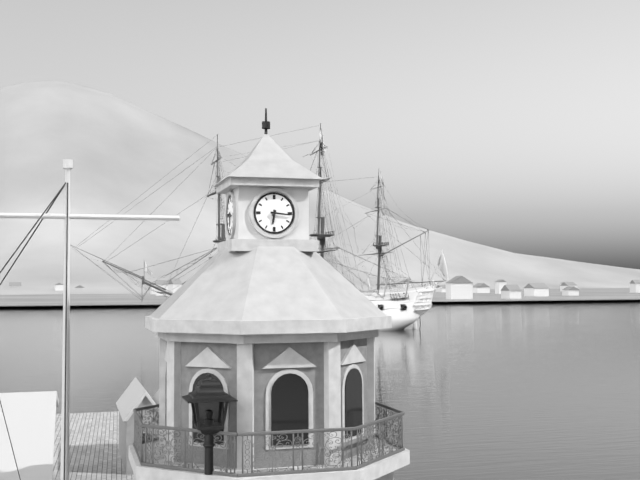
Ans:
6h16
